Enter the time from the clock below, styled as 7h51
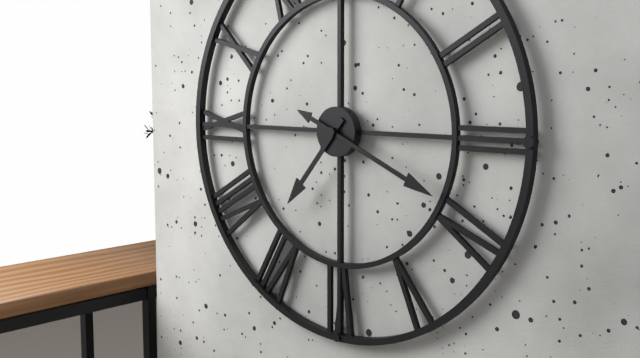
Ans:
7h19
